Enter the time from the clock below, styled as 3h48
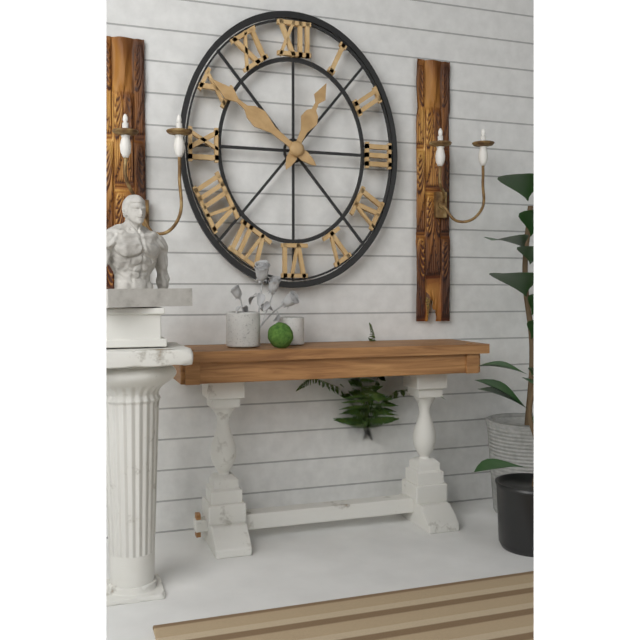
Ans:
12h51
